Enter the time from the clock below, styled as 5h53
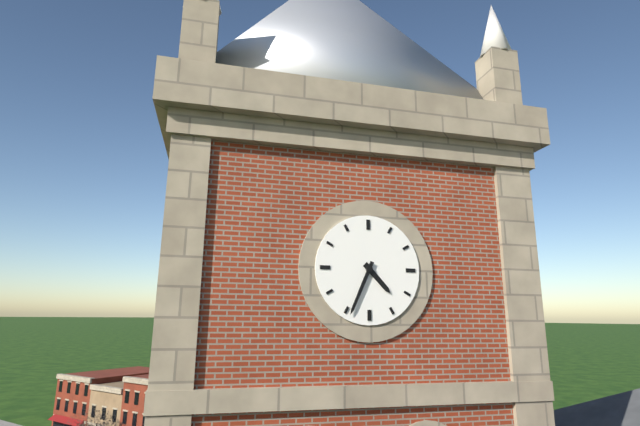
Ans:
4h34
